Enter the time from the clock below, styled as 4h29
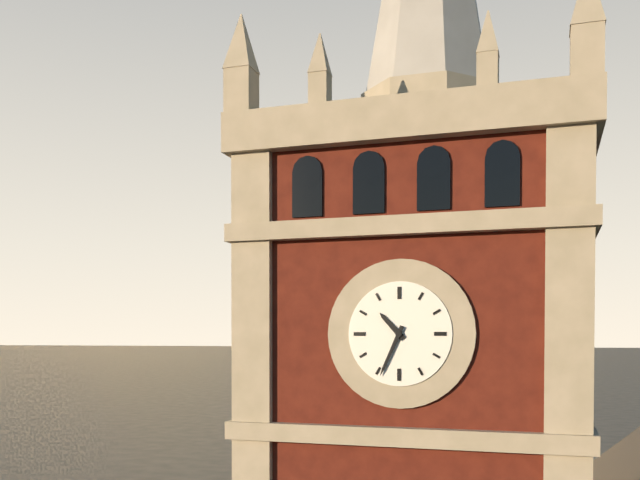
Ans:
10h34
